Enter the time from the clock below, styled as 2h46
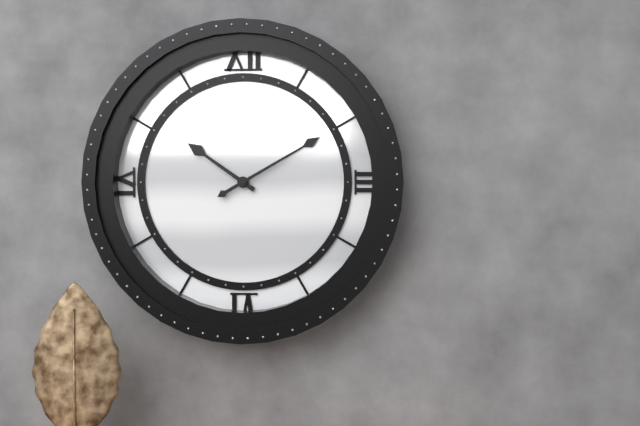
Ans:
10h10
